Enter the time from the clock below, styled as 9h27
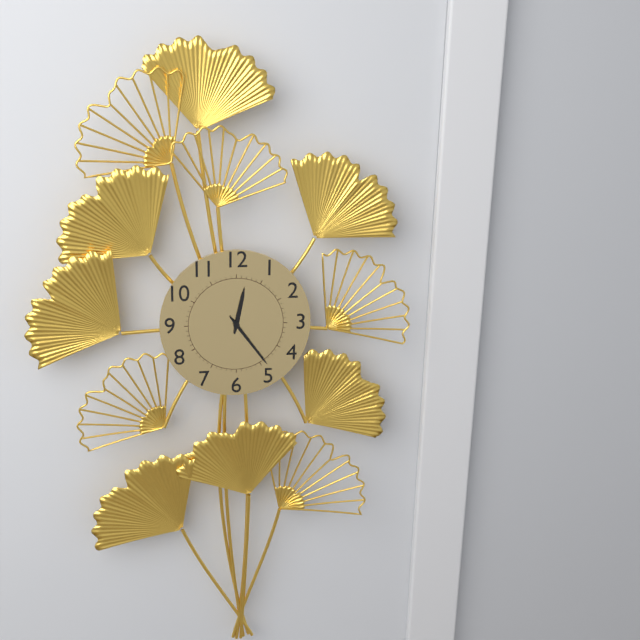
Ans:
12h24
